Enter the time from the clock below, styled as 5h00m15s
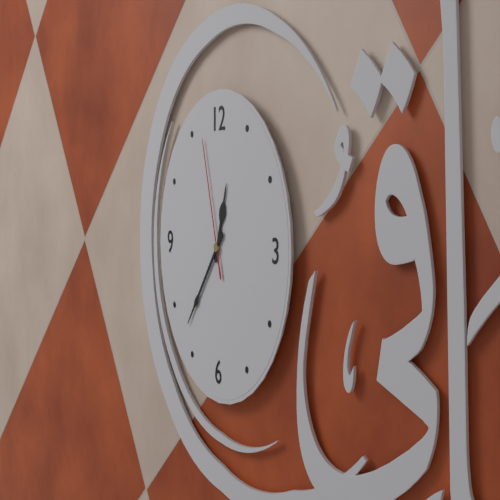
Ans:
12h37m57s
